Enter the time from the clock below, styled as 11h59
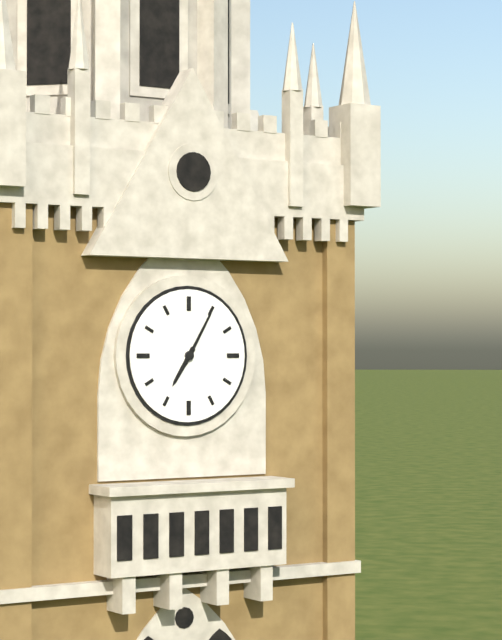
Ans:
7h05
